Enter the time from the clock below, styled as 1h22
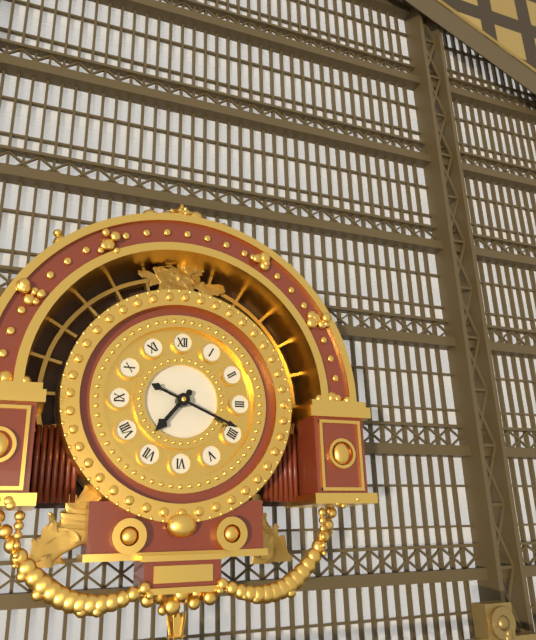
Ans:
7h19
